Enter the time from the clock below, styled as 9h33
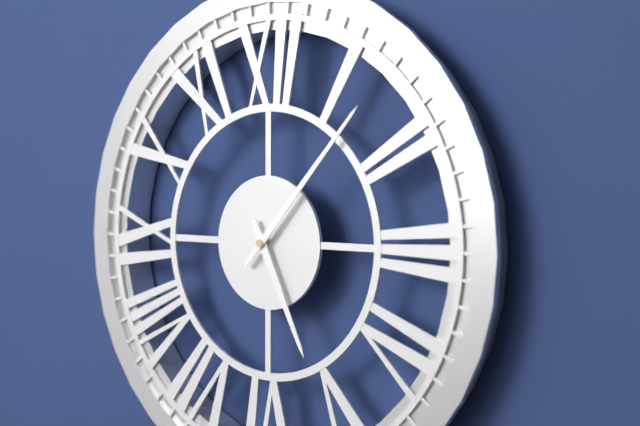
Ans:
5h07
